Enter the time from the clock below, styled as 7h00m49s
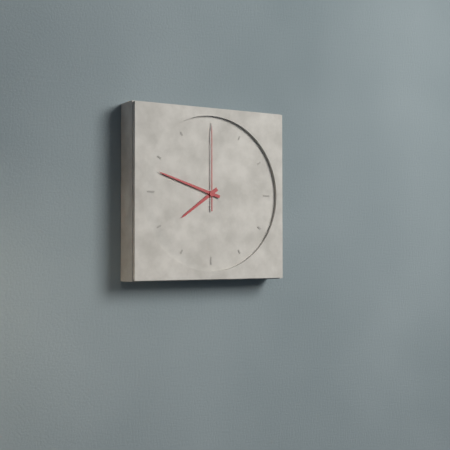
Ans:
7h48m00s
